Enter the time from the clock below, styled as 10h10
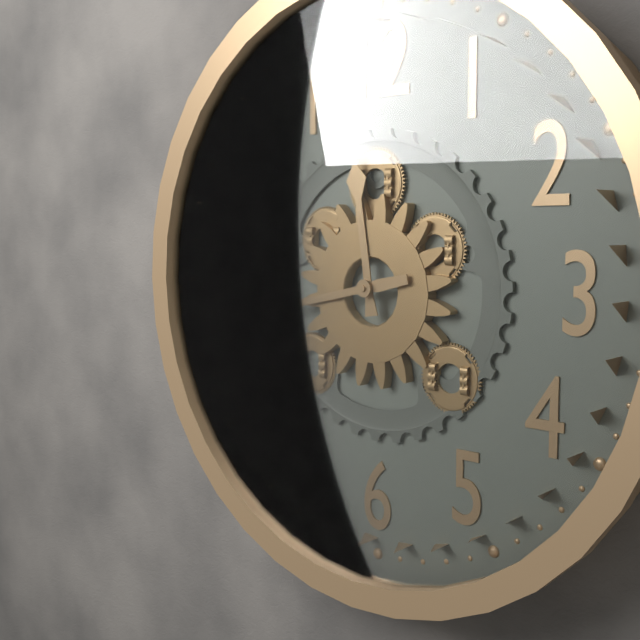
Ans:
11h43
